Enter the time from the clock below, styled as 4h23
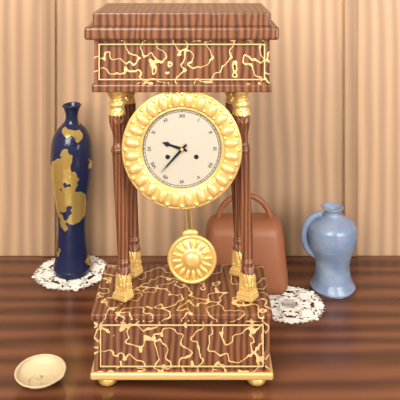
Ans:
9h37
